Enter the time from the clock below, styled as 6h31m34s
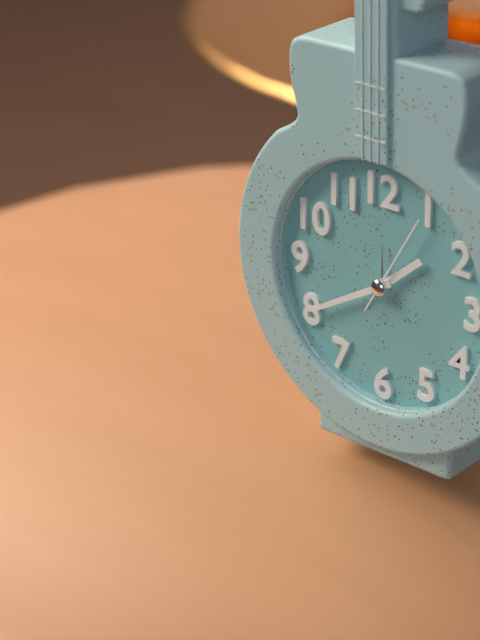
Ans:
1h40m05s
